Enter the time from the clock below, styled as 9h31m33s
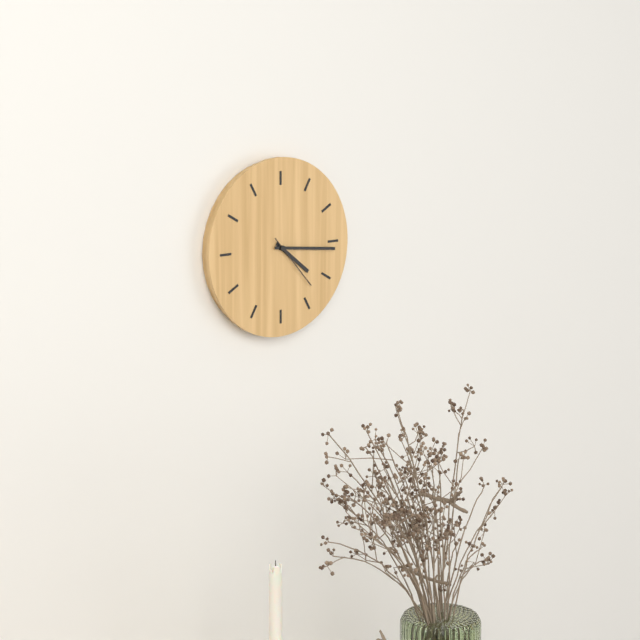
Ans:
4h16m23s
